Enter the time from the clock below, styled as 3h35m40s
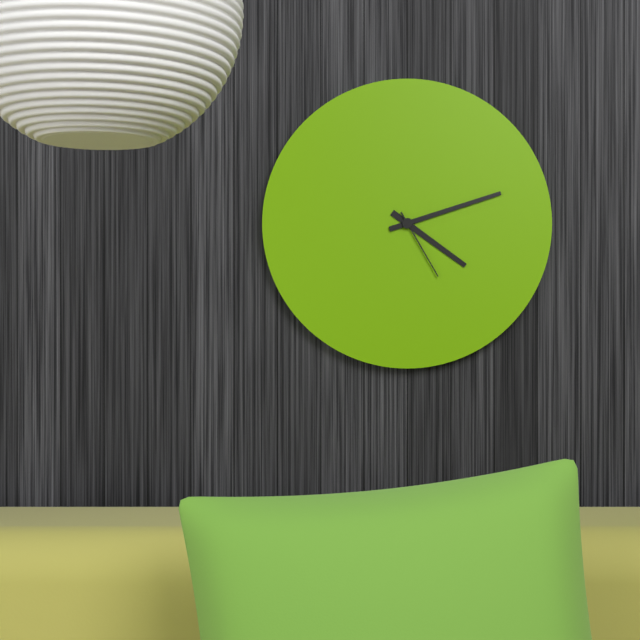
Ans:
4h12m25s
